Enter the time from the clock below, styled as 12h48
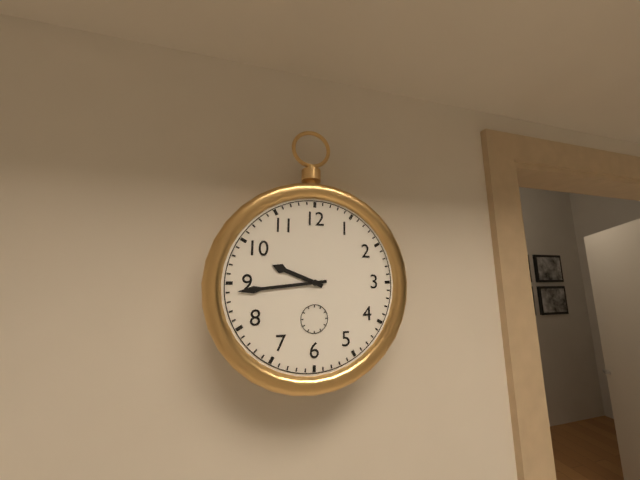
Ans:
9h44
